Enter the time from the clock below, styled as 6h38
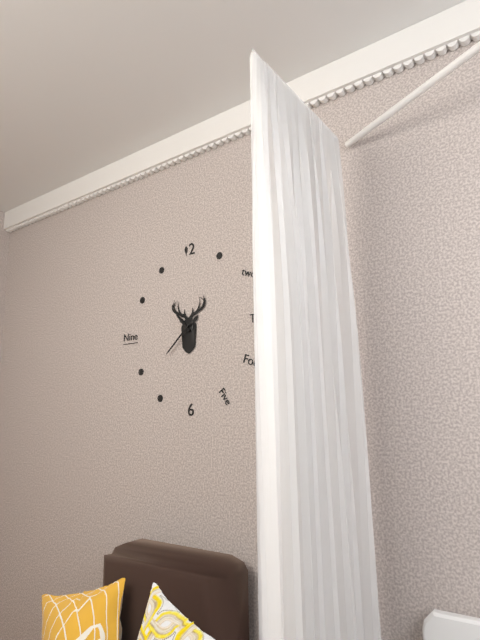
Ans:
10h38
